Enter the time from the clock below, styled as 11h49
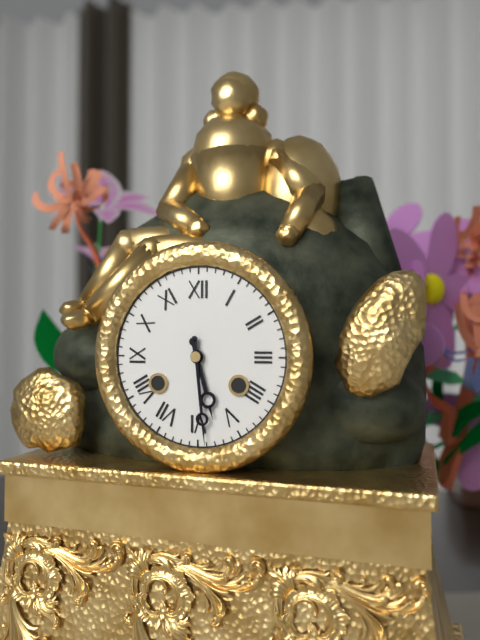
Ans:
5h29
